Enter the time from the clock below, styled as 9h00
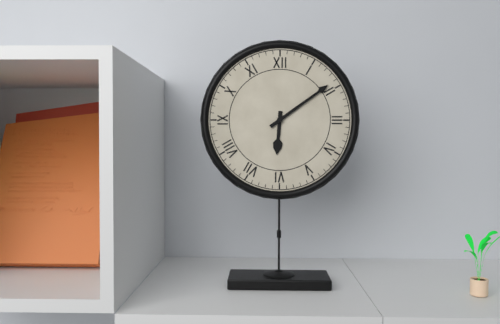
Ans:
6h09
